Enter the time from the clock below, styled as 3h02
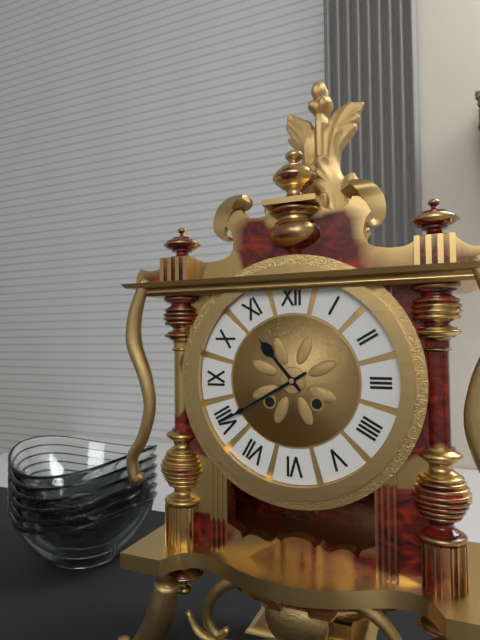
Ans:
10h40
